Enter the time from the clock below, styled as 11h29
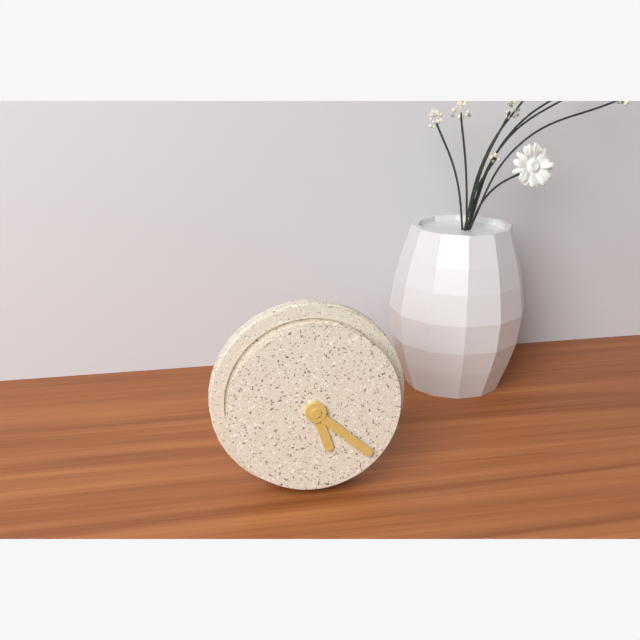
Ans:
5h22
